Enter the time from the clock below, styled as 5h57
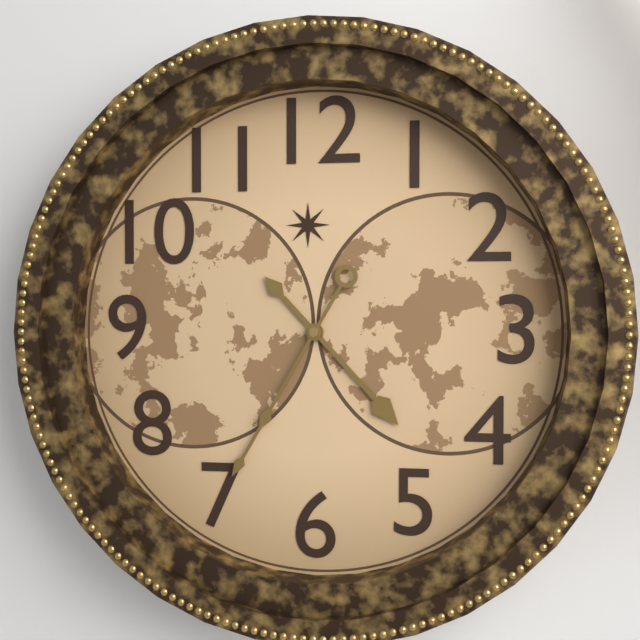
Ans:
4h35
